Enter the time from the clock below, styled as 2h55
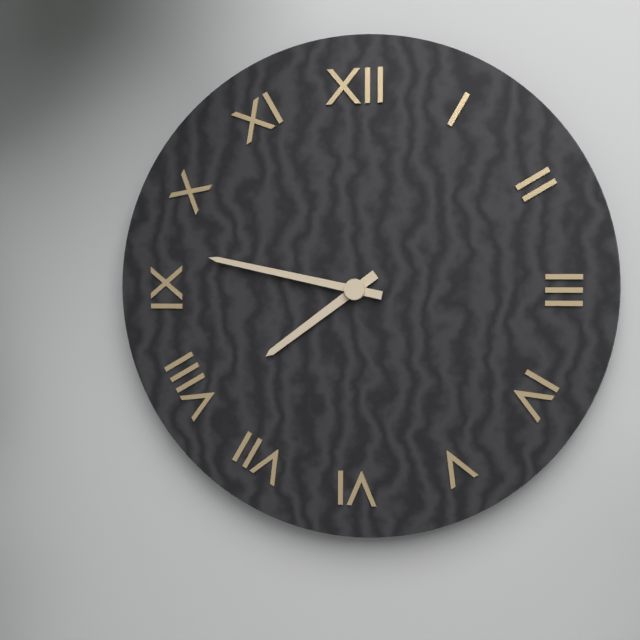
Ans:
7h47
